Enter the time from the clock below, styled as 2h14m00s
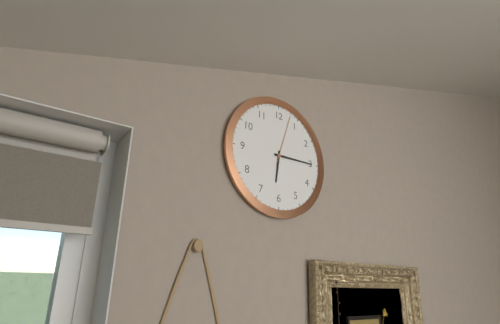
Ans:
6h15m03s
